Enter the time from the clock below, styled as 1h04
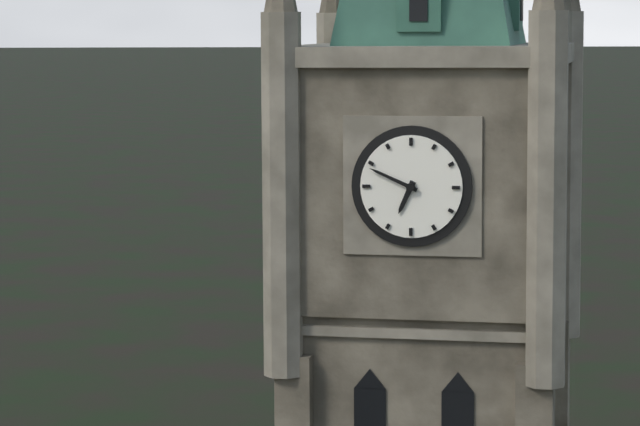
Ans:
6h49
